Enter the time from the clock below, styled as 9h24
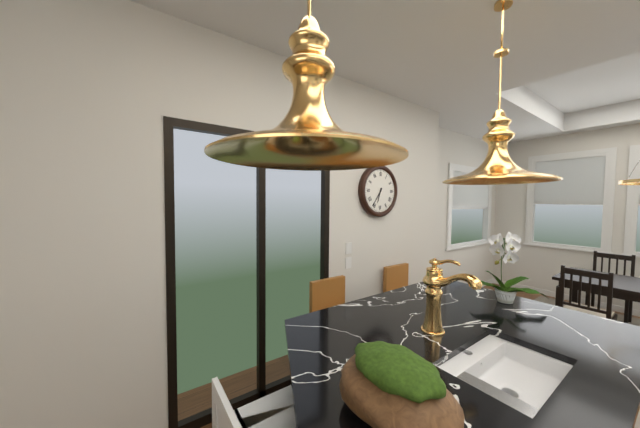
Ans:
6h36
